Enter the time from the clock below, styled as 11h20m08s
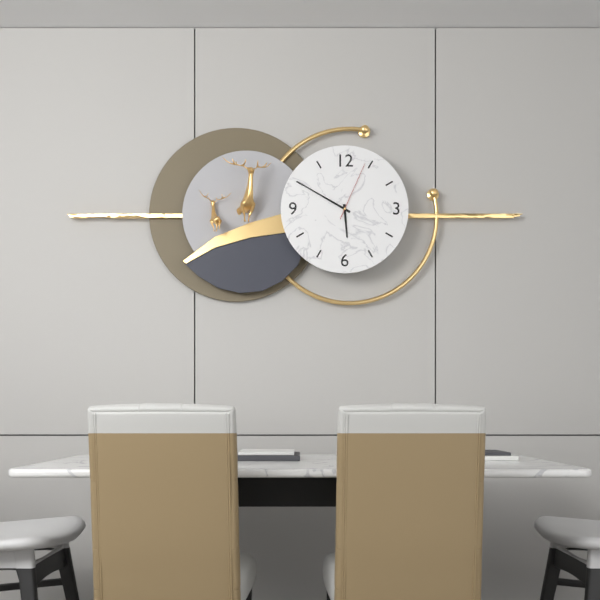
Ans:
5h50m04s
